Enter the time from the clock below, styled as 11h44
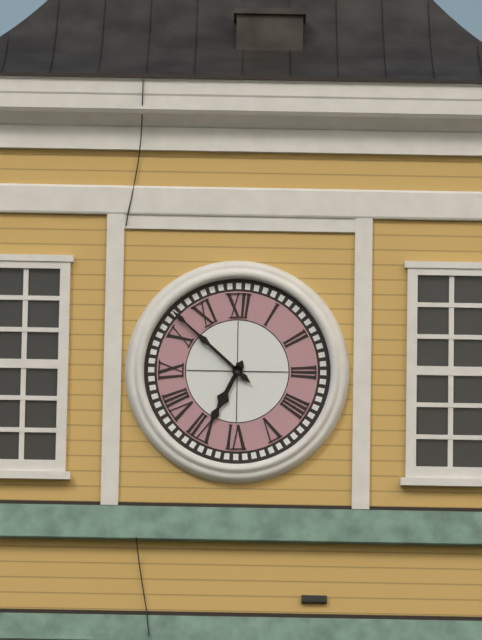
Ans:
6h52
